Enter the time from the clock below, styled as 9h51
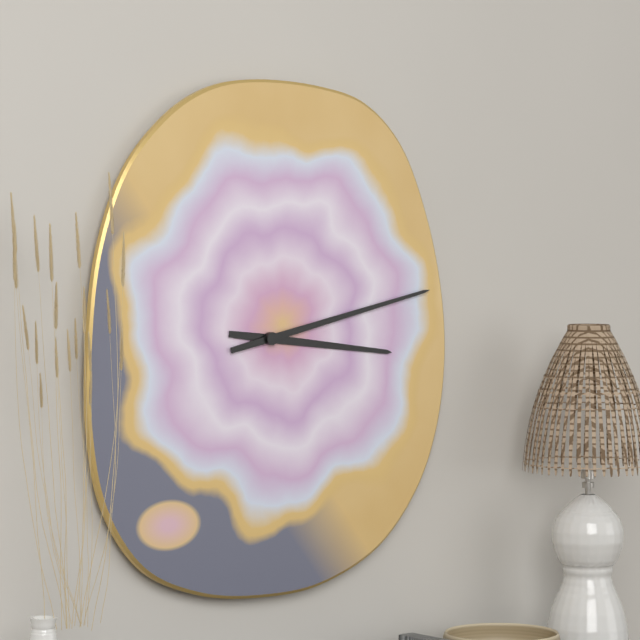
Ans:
3h13
